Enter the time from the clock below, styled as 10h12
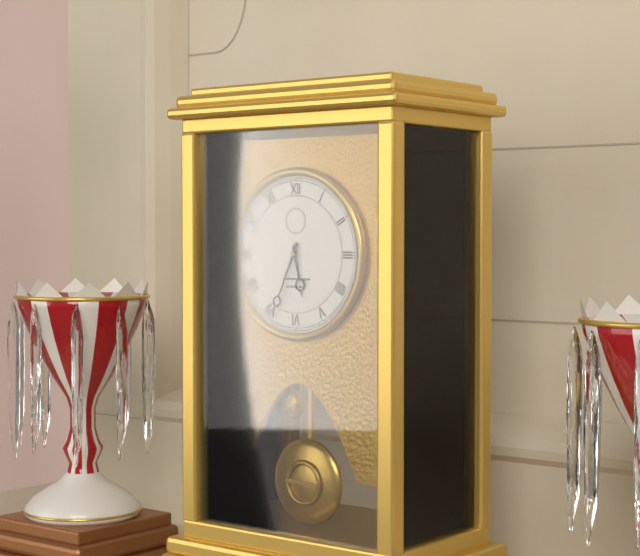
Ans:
5h34
